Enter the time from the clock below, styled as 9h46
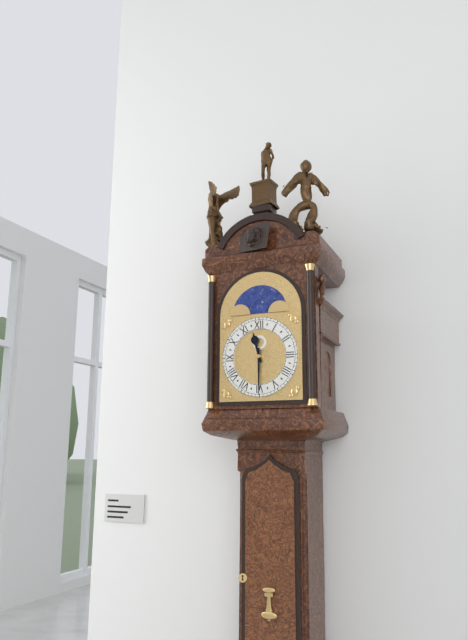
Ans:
11h30
